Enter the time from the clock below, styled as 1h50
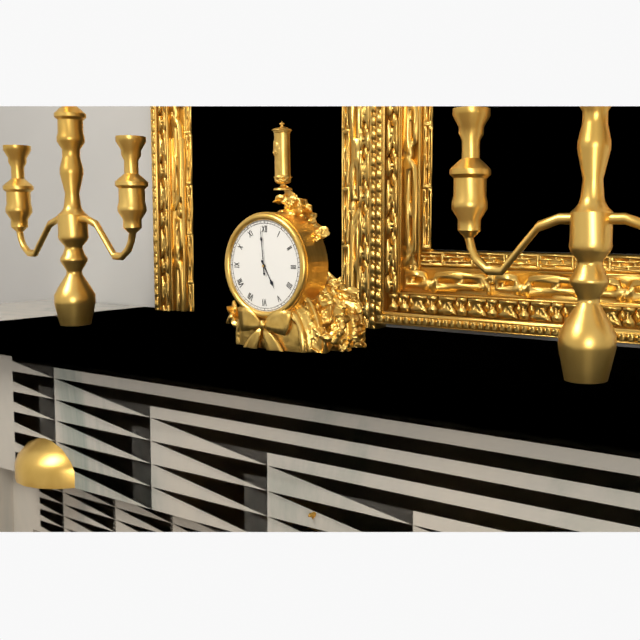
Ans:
4h59
